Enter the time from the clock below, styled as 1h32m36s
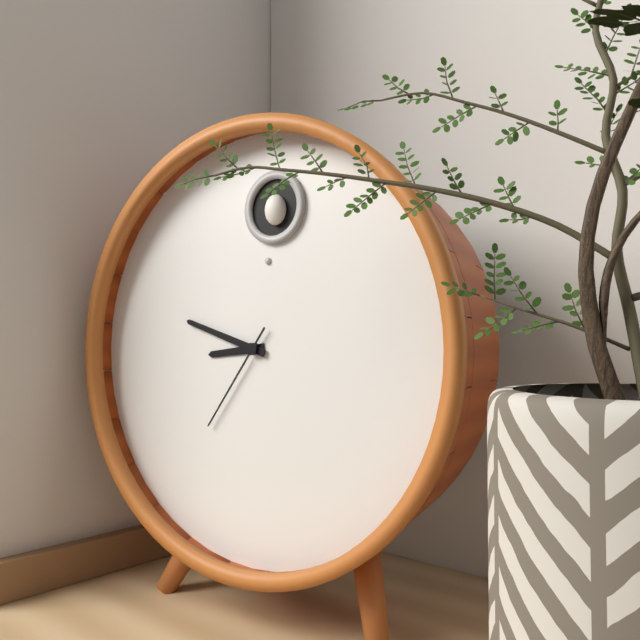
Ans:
8h48m36s
